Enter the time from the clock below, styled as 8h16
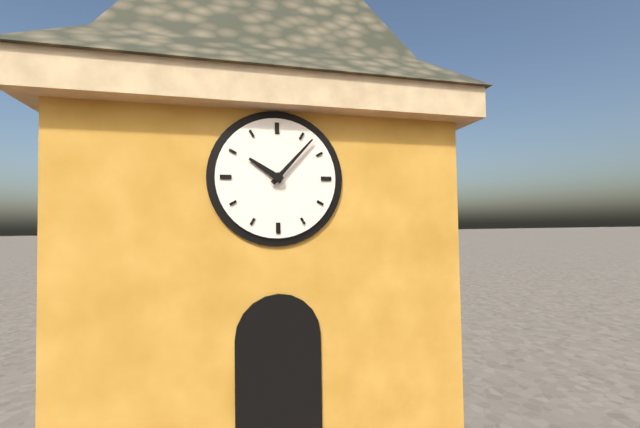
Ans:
10h07
